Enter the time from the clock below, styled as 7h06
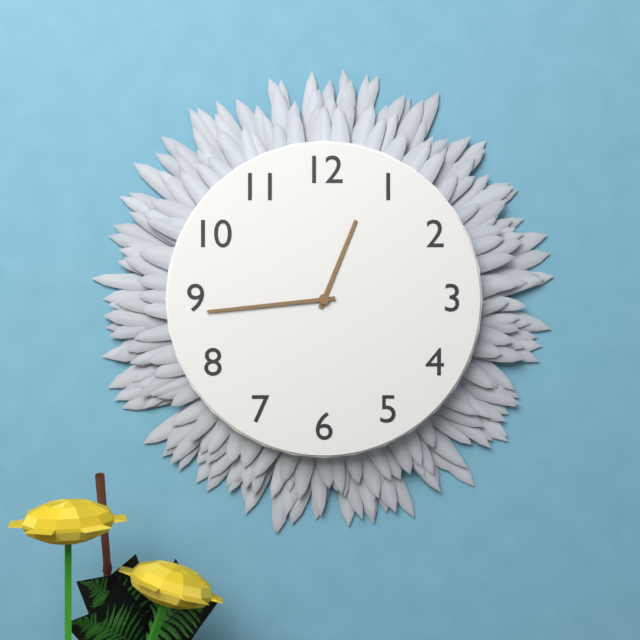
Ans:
12h44
